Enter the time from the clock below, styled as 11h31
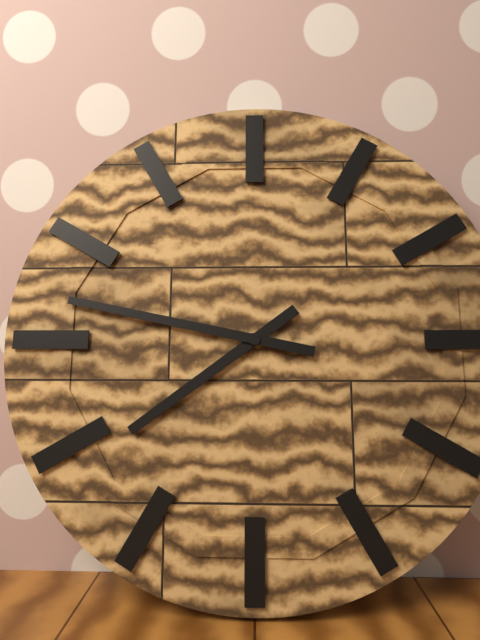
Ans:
7h47
